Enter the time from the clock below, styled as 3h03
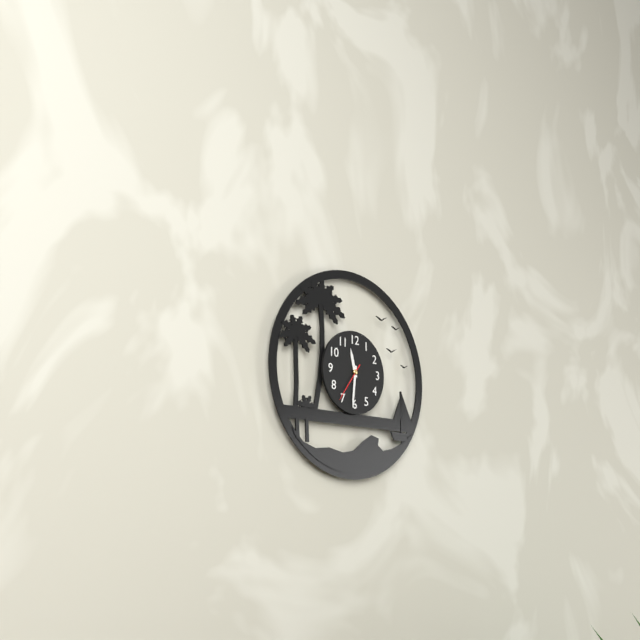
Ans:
11h31
